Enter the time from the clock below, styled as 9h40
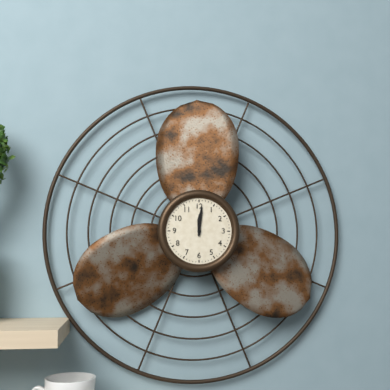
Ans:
12h01
